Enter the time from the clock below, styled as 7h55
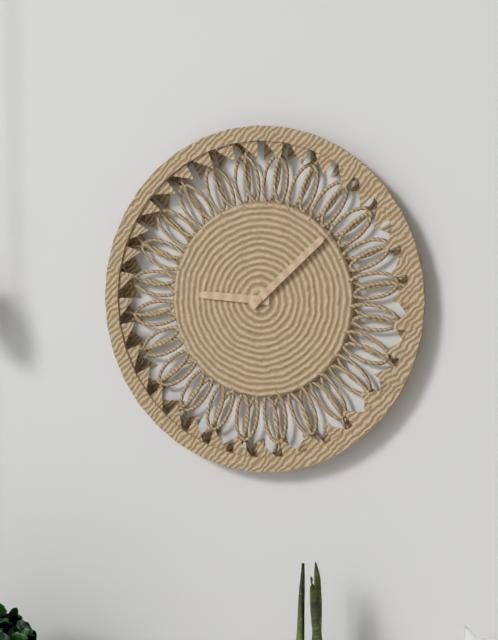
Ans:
9h08
